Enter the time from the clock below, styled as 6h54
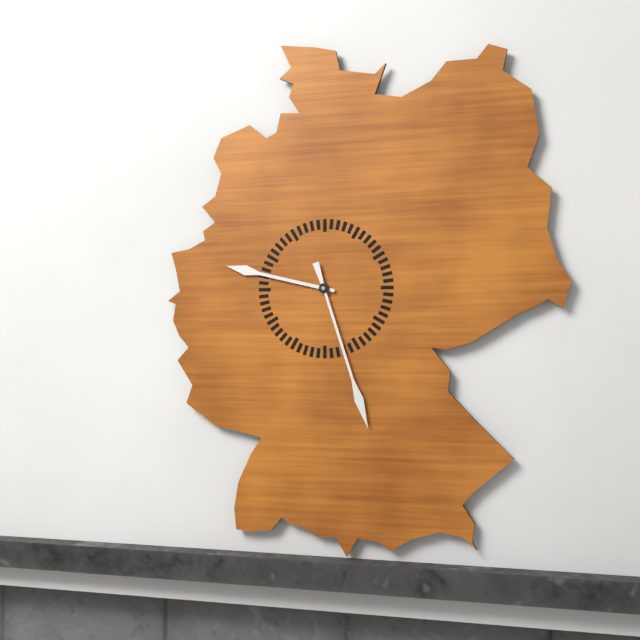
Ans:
9h27
